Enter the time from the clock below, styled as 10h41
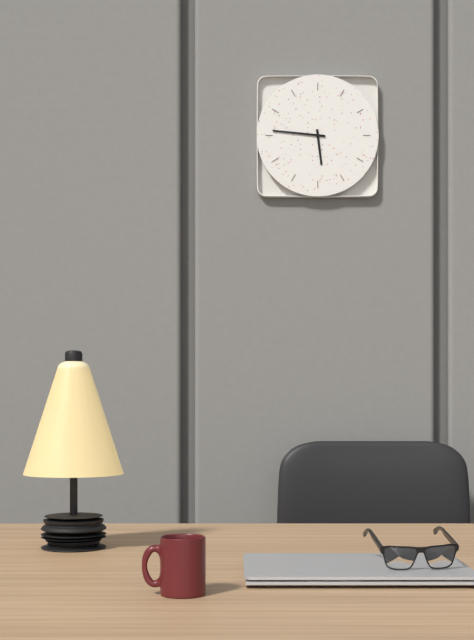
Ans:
5h46
